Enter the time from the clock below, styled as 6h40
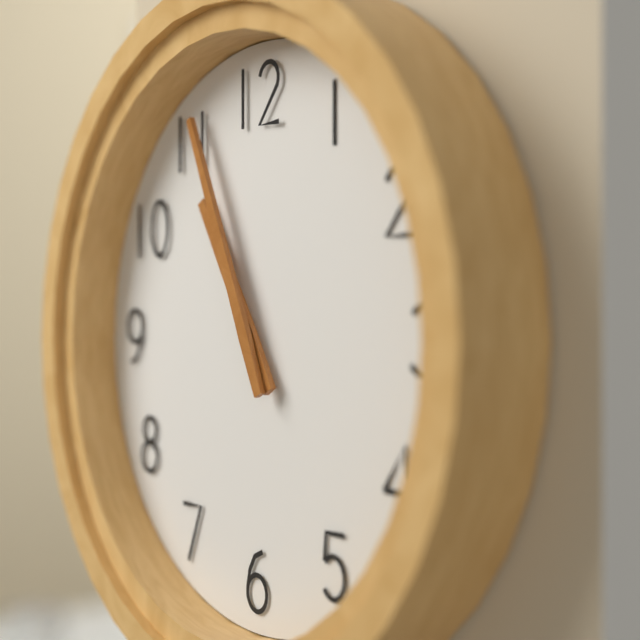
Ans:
10h56
